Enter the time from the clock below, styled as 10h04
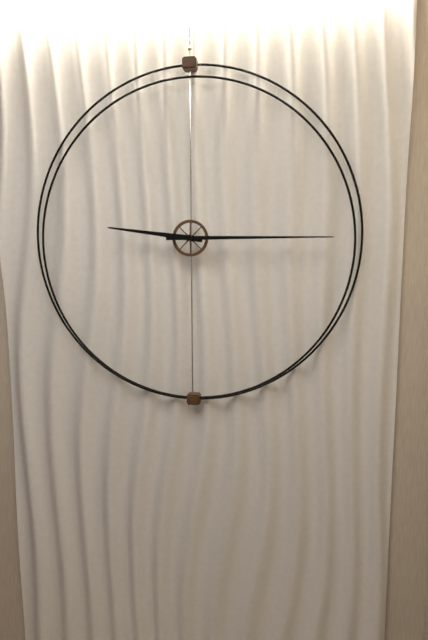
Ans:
9h15
